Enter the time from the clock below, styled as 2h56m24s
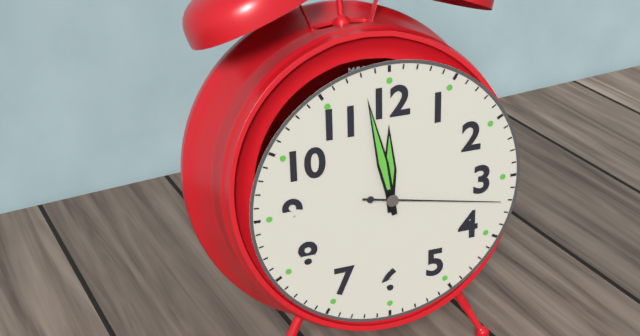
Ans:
11h58m17s
